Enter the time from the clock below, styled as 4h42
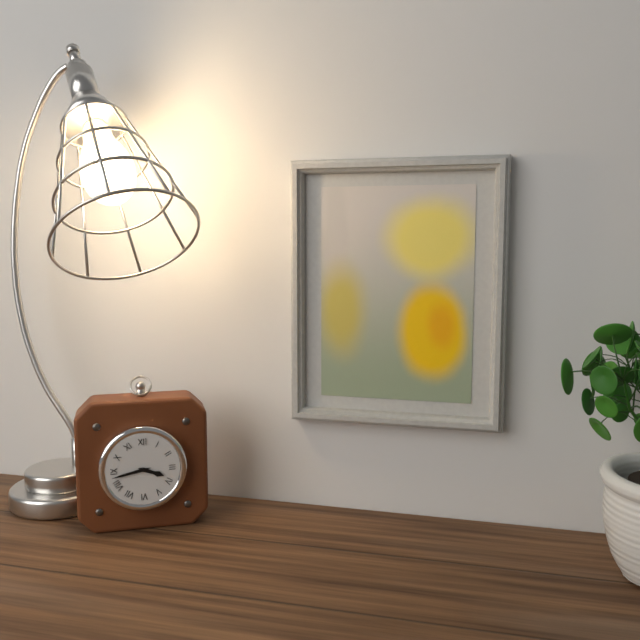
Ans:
3h43
